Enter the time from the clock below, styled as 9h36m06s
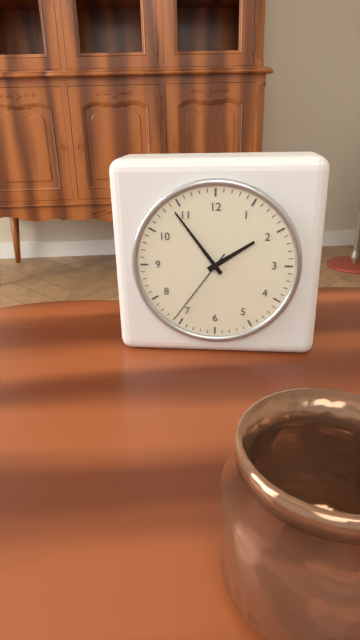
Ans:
1h54m36s
